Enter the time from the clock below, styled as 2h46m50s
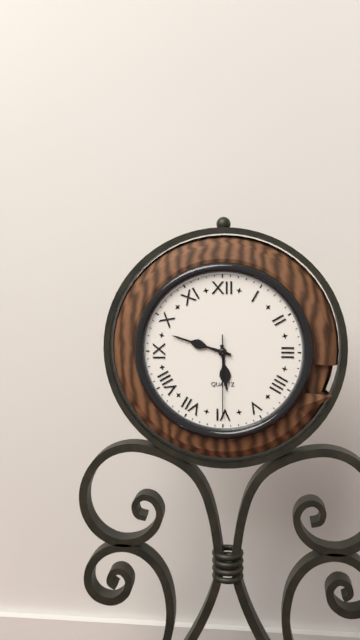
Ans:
5h48m30s
